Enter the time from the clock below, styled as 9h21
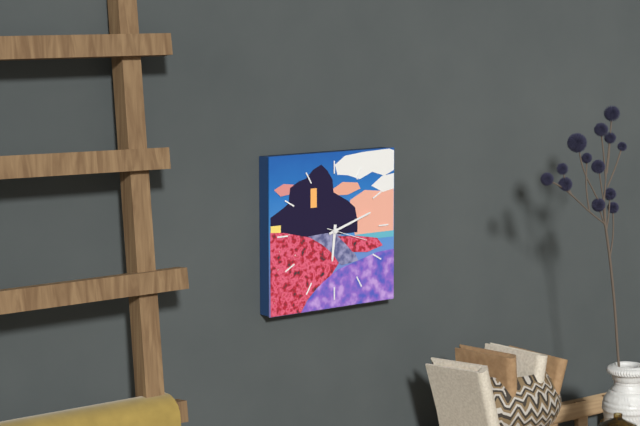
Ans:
6h12
